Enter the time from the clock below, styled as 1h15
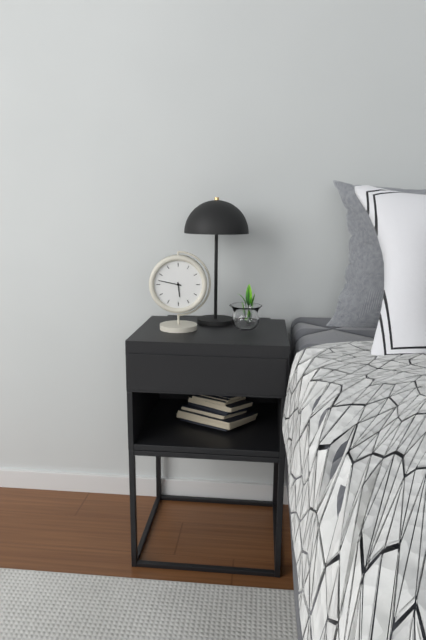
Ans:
5h47
